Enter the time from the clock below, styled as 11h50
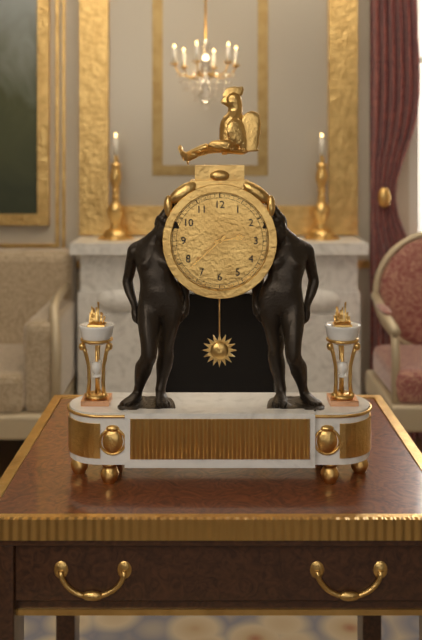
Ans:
2h38
